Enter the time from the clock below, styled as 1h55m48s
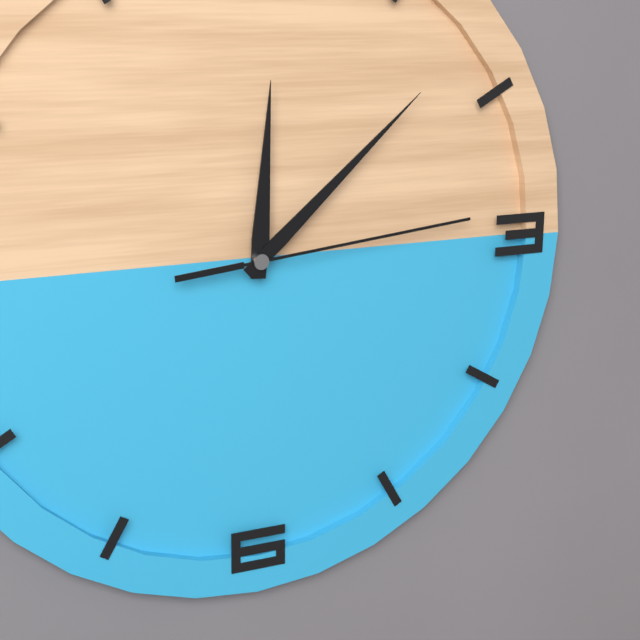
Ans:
12h08m14s
